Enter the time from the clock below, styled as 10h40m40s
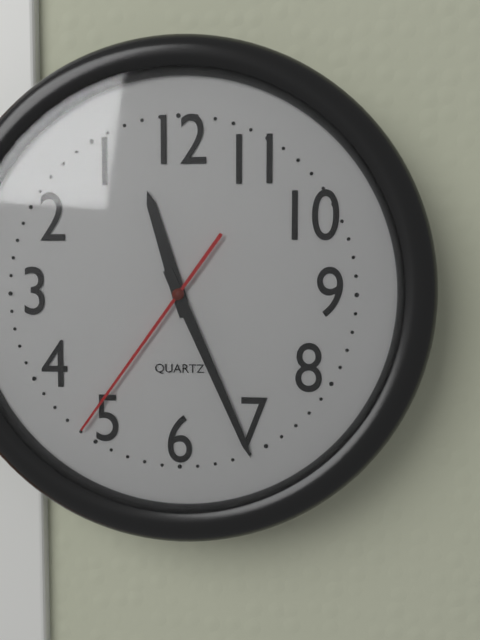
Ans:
11h26m36s
